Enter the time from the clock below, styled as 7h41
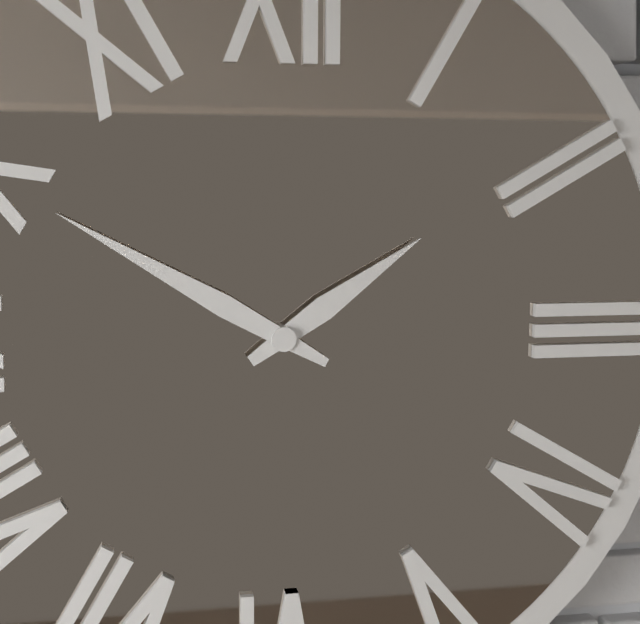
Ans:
1h50
